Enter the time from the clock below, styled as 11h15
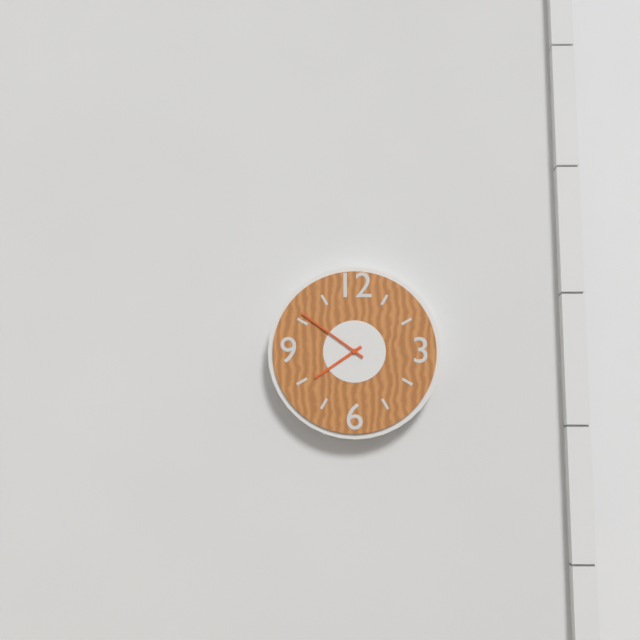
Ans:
7h51
